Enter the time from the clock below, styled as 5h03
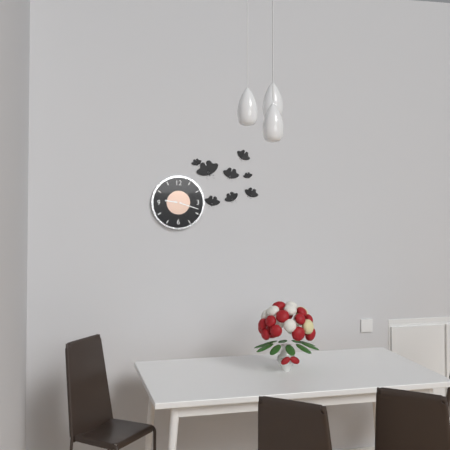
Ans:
9h18
